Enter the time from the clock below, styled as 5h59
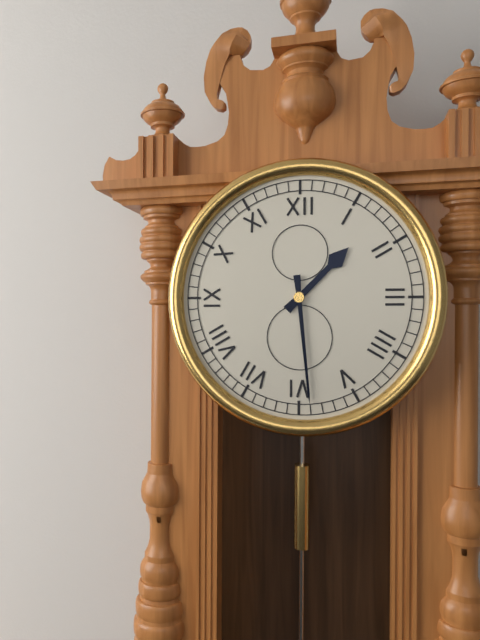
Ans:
1h29
